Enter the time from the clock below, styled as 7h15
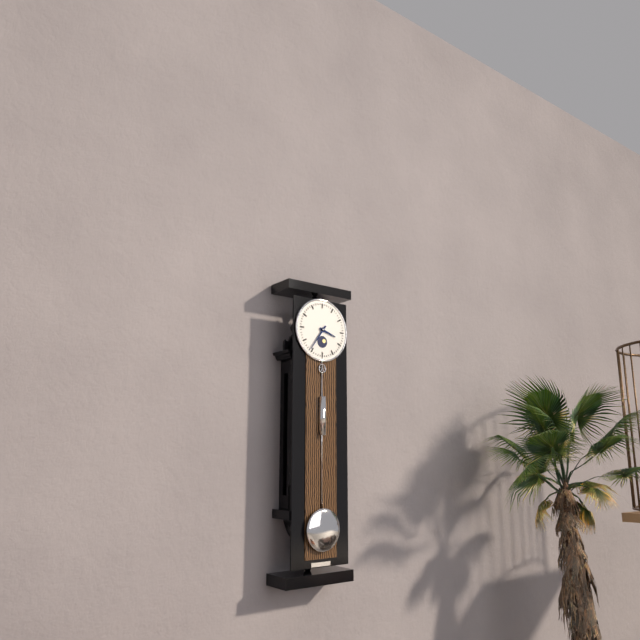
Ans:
3h36
